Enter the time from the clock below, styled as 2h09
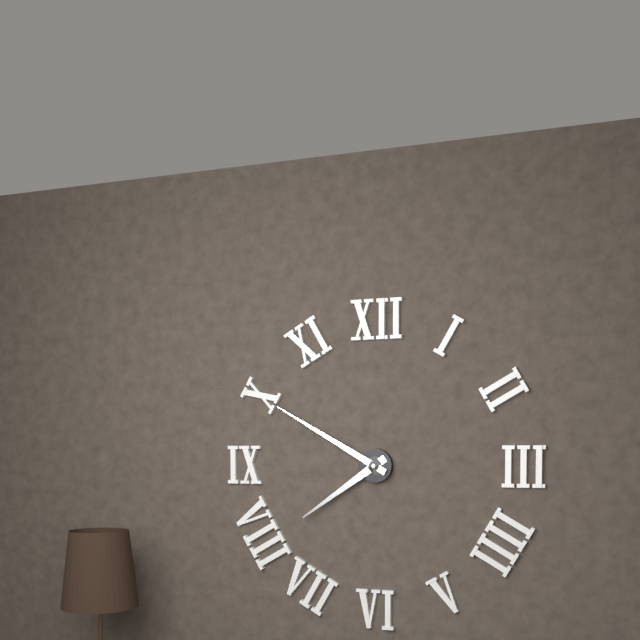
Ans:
7h50
